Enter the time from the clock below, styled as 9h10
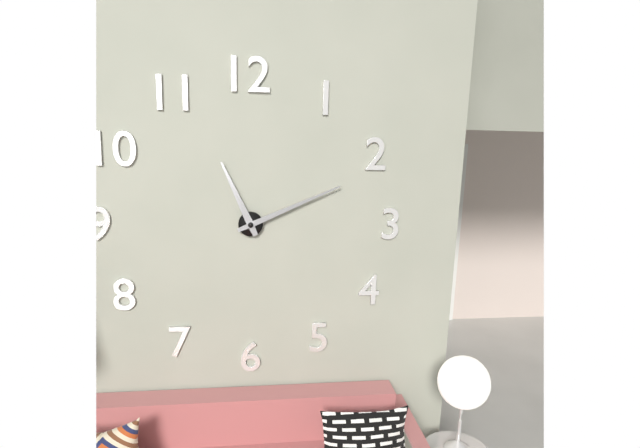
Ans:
11h11
